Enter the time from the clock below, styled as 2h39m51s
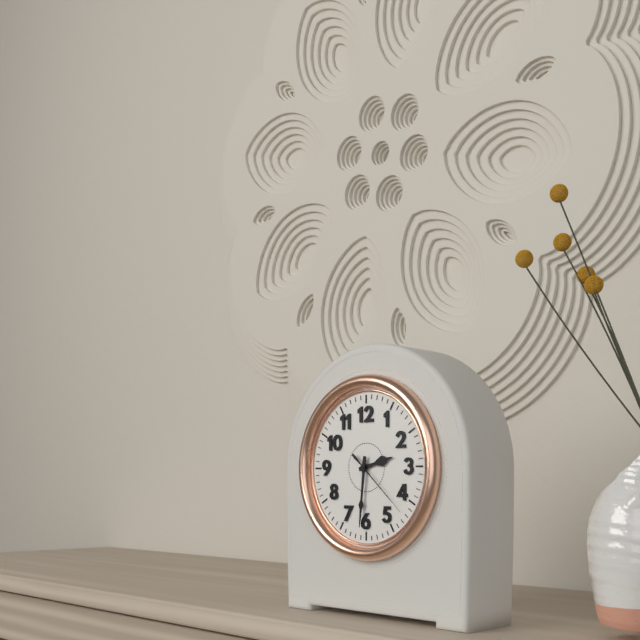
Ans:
2h31m22s
